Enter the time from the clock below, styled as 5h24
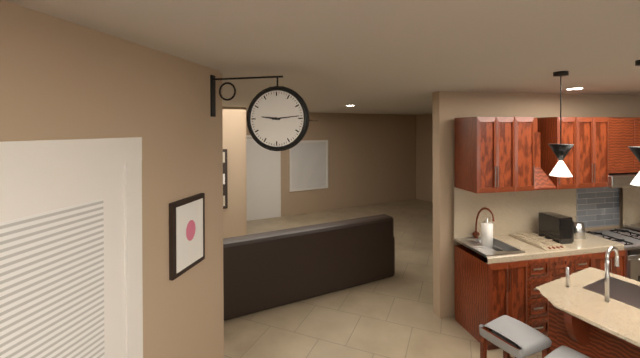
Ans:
9h14
